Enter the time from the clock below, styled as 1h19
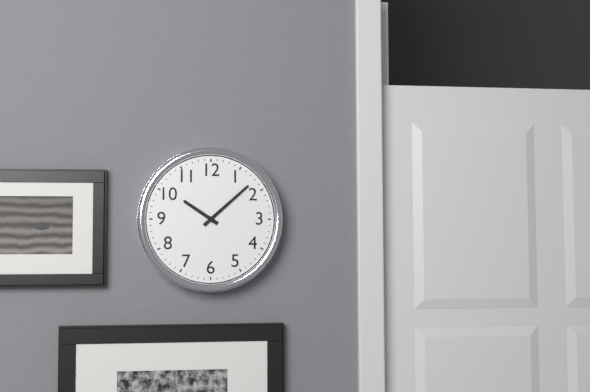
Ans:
10h08
